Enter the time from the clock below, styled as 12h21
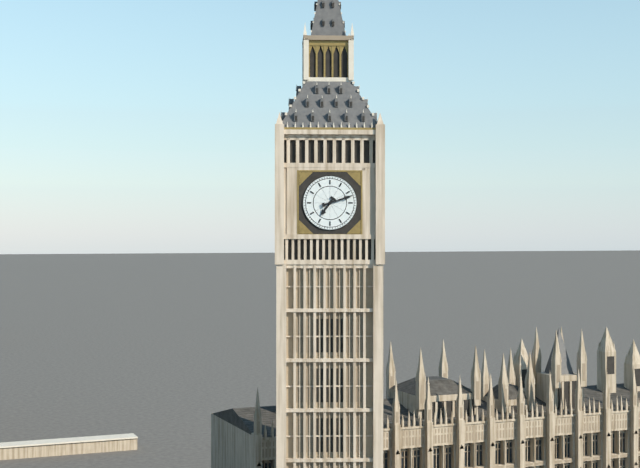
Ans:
7h12
